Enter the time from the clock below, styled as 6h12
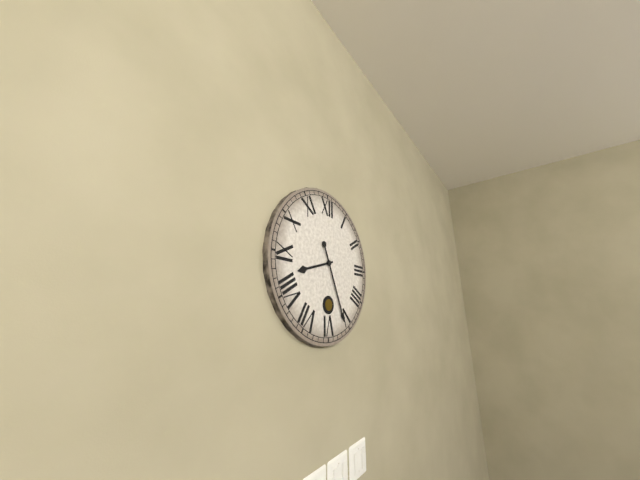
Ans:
8h26
